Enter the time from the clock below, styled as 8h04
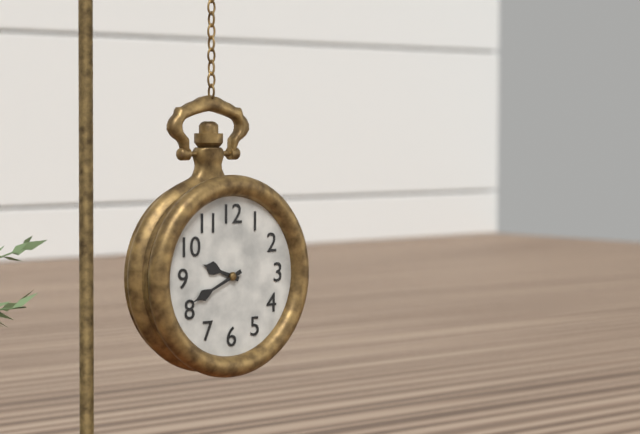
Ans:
9h41
